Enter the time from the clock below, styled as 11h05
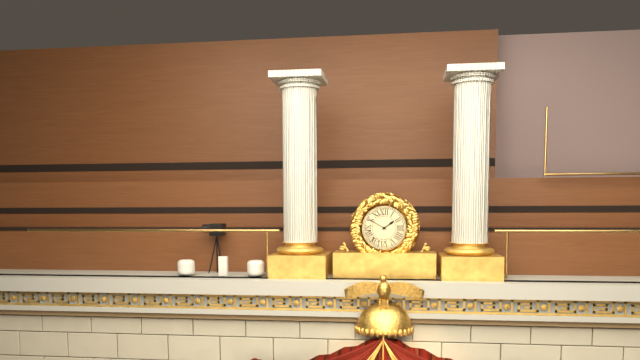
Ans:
1h50
